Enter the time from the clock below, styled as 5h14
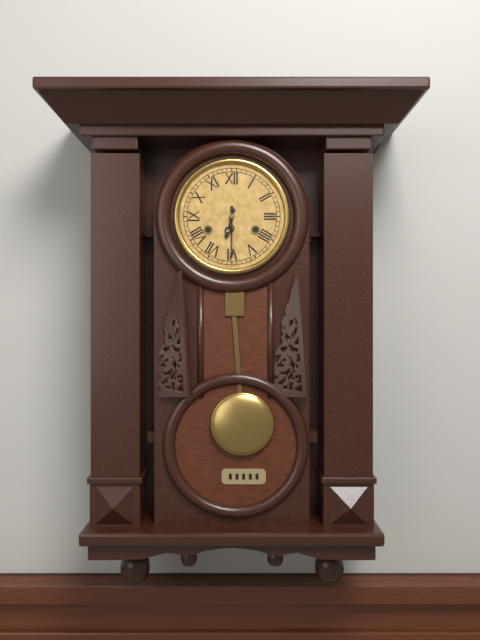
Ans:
6h30
